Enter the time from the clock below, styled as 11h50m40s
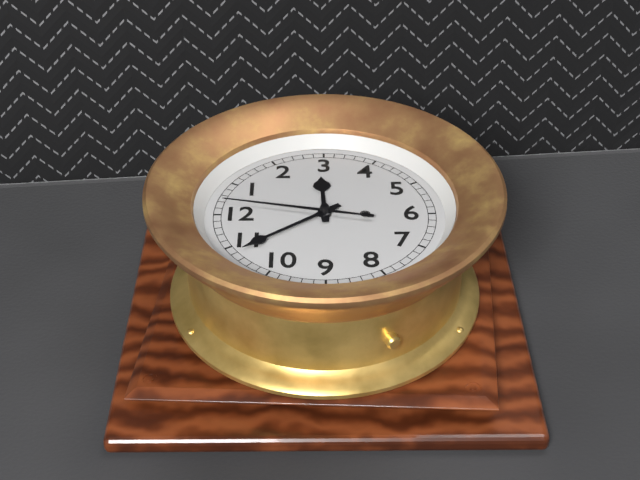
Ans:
2h54m02s
